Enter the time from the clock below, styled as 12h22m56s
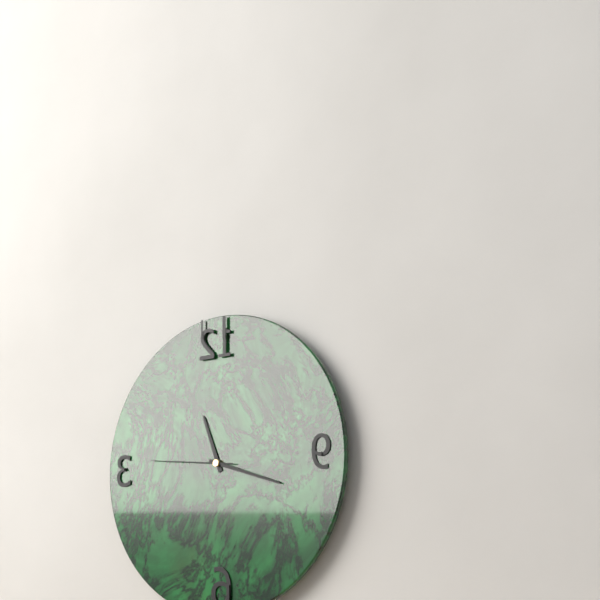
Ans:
11h18m46s
